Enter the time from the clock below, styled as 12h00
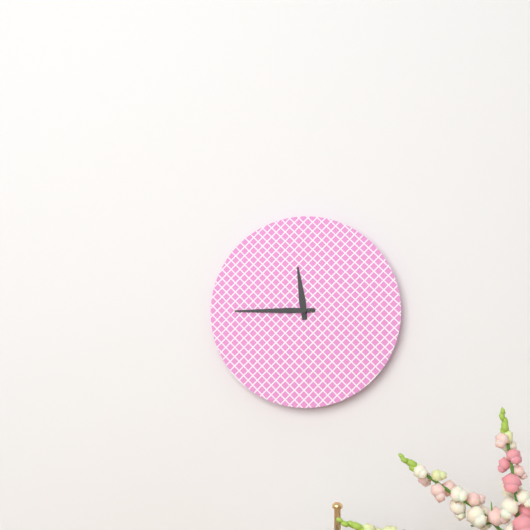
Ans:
11h45
